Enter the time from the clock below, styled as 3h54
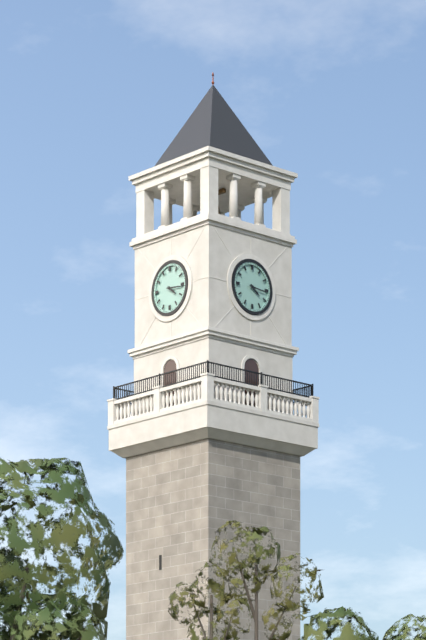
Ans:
4h16
